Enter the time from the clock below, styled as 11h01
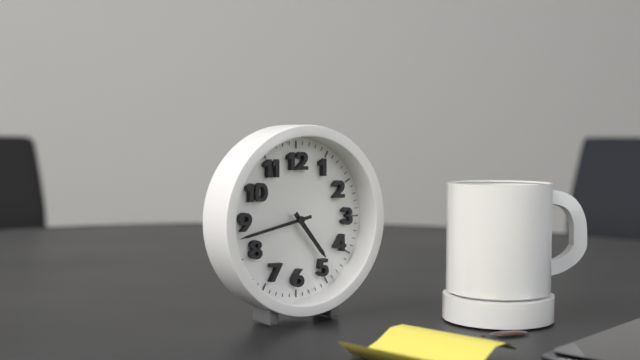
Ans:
4h43
